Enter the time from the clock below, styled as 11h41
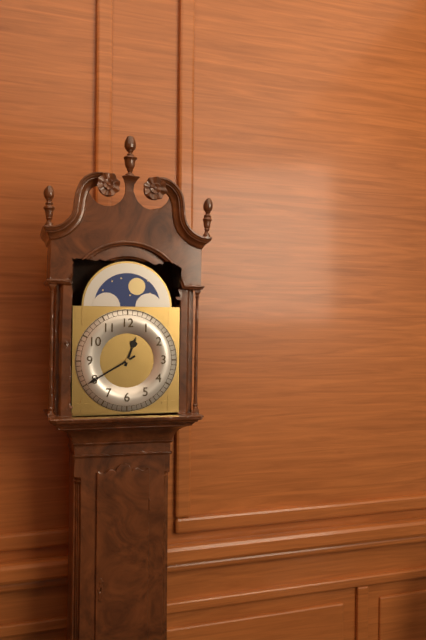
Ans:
12h40
